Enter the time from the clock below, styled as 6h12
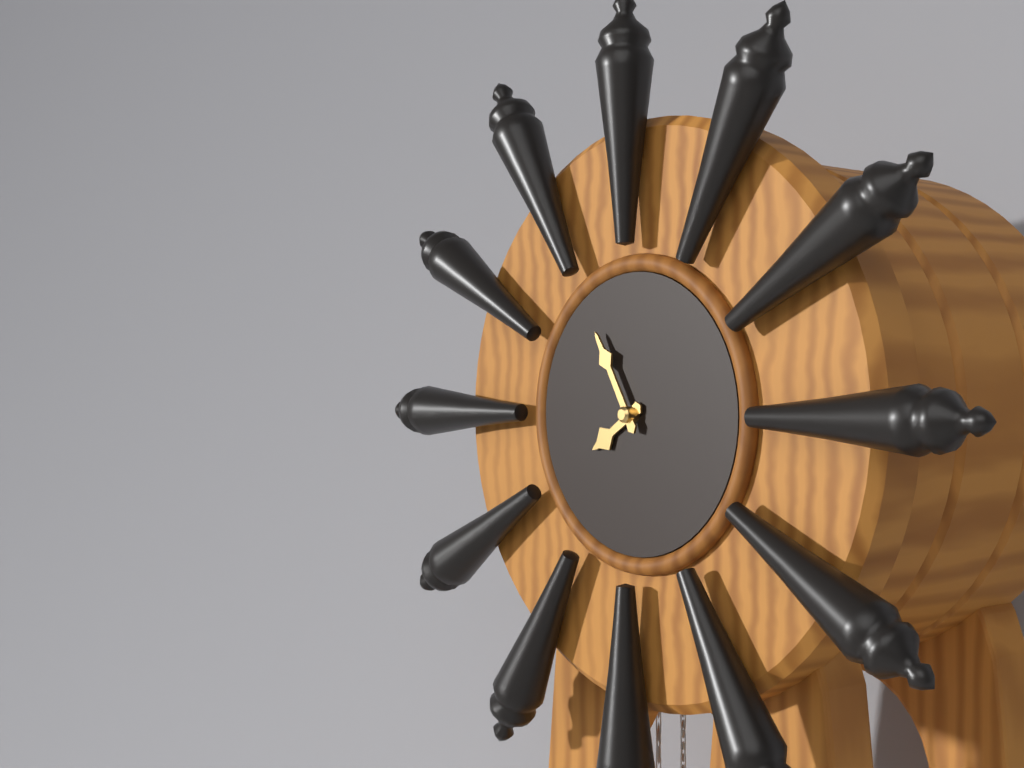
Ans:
7h55
